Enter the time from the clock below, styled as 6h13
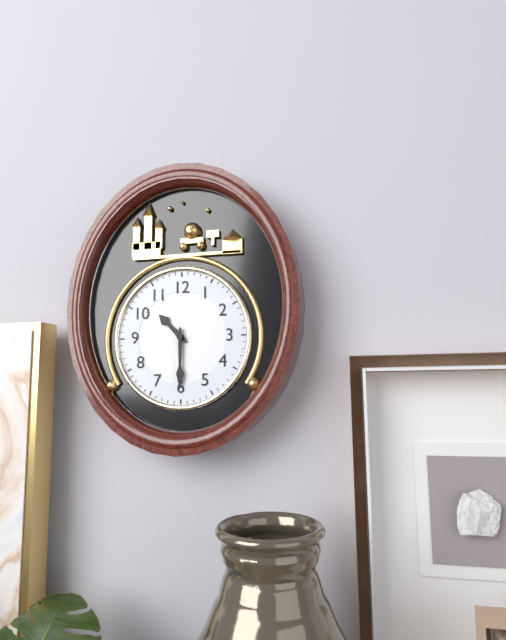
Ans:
10h30
